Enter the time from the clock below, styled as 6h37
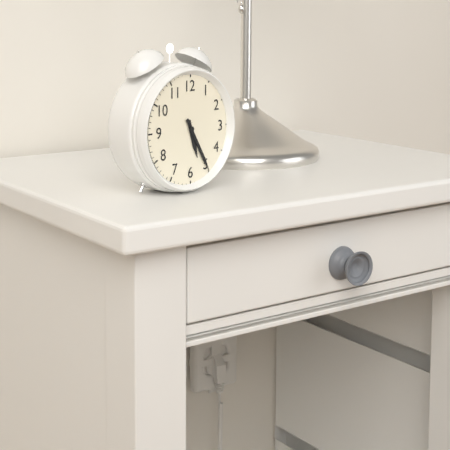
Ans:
5h25
